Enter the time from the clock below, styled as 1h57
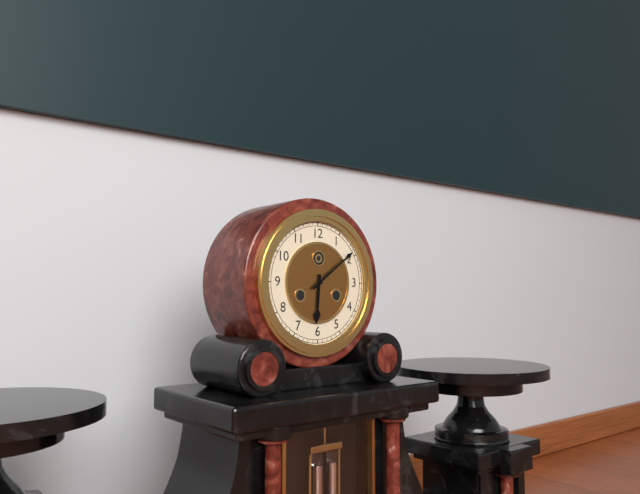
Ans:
6h09
